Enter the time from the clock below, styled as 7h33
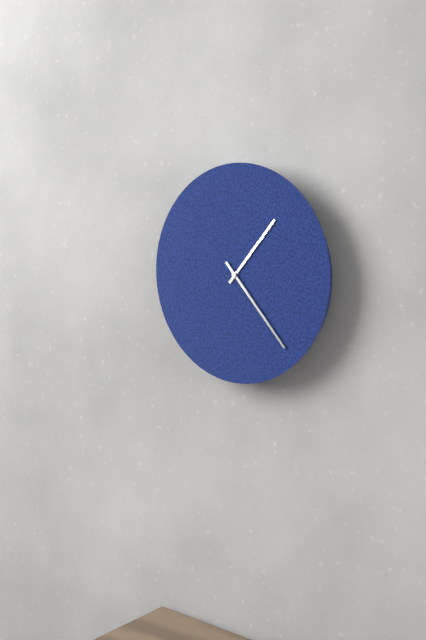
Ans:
1h23
